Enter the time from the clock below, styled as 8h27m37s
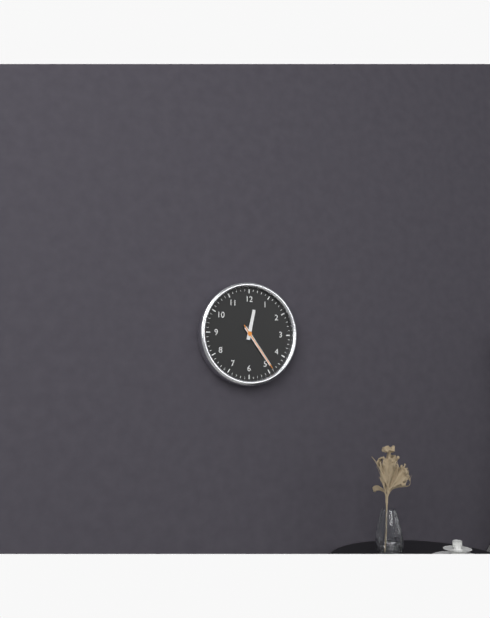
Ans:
12h24m24s
